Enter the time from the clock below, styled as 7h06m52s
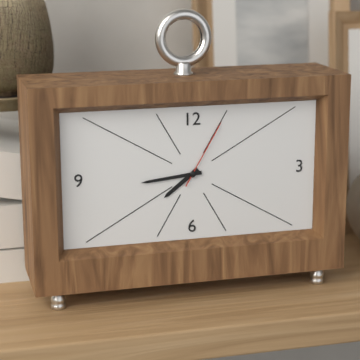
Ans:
7h44m05s
